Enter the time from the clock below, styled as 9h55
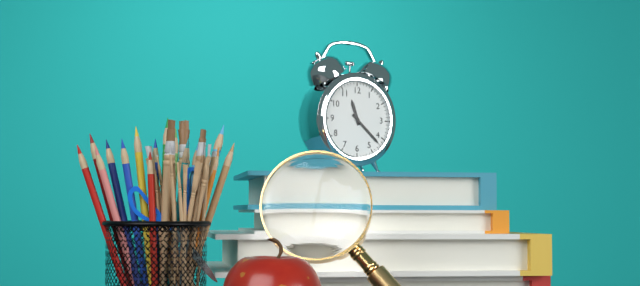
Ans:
11h22
